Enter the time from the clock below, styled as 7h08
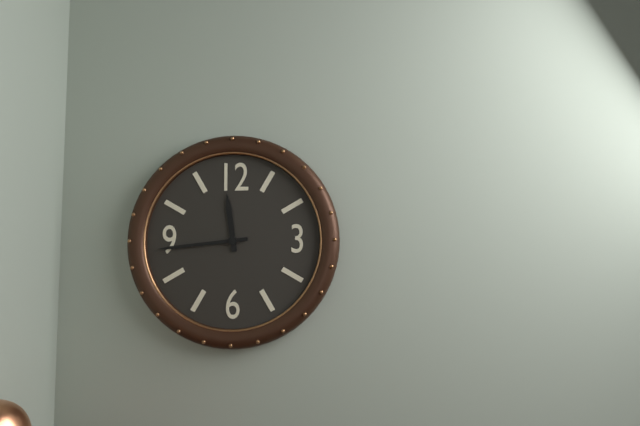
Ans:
11h44
